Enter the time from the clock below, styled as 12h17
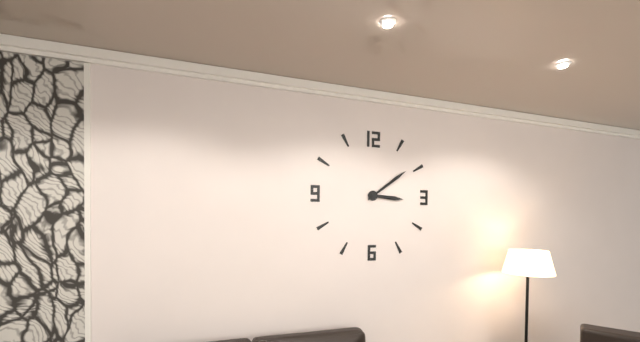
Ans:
3h09
